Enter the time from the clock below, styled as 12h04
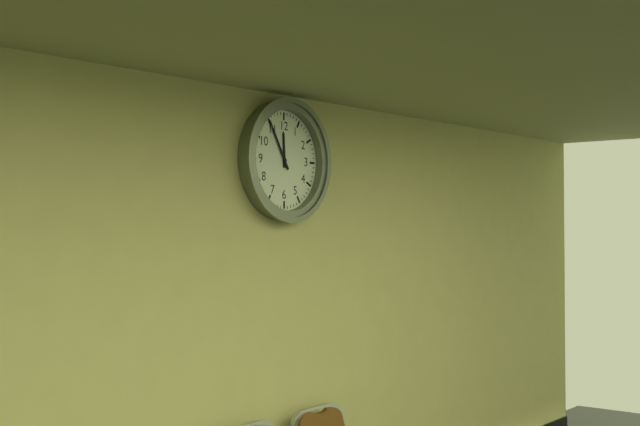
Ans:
11h55
